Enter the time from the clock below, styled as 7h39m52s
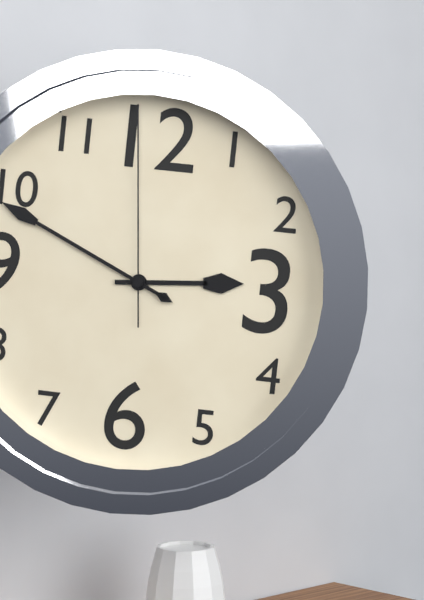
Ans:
2h49m59s
